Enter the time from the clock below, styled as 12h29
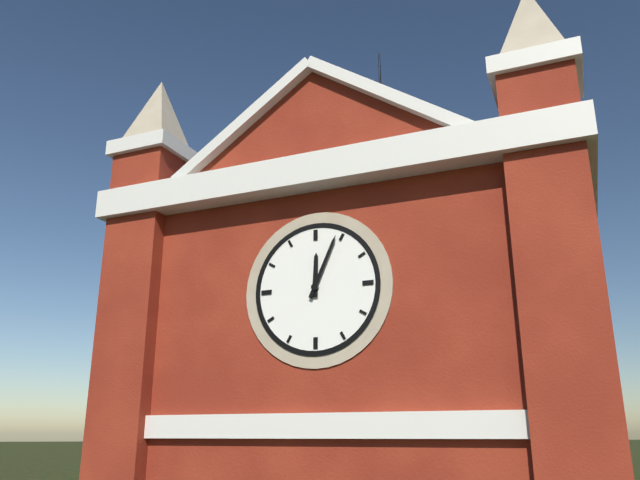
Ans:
12h04
